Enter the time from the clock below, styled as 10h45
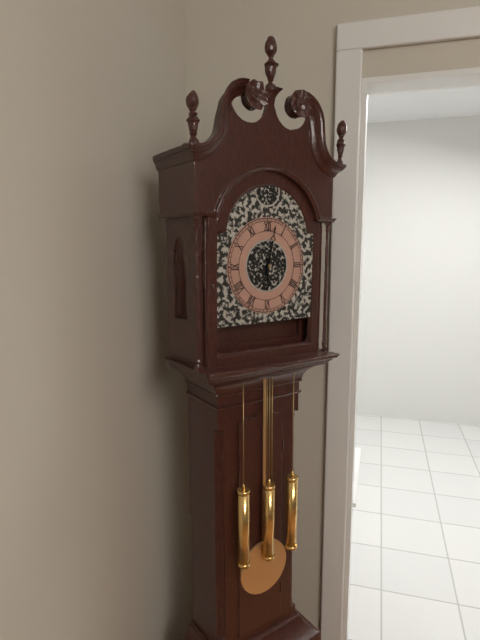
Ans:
6h02
